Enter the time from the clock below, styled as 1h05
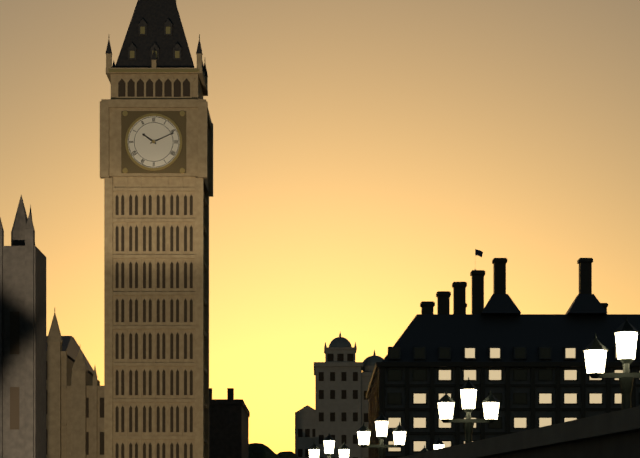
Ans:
10h11
